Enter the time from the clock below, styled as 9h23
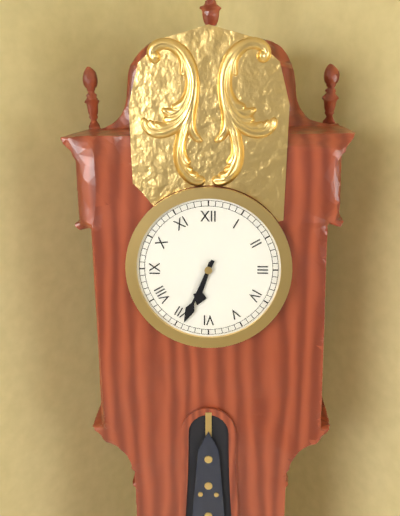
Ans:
6h34
